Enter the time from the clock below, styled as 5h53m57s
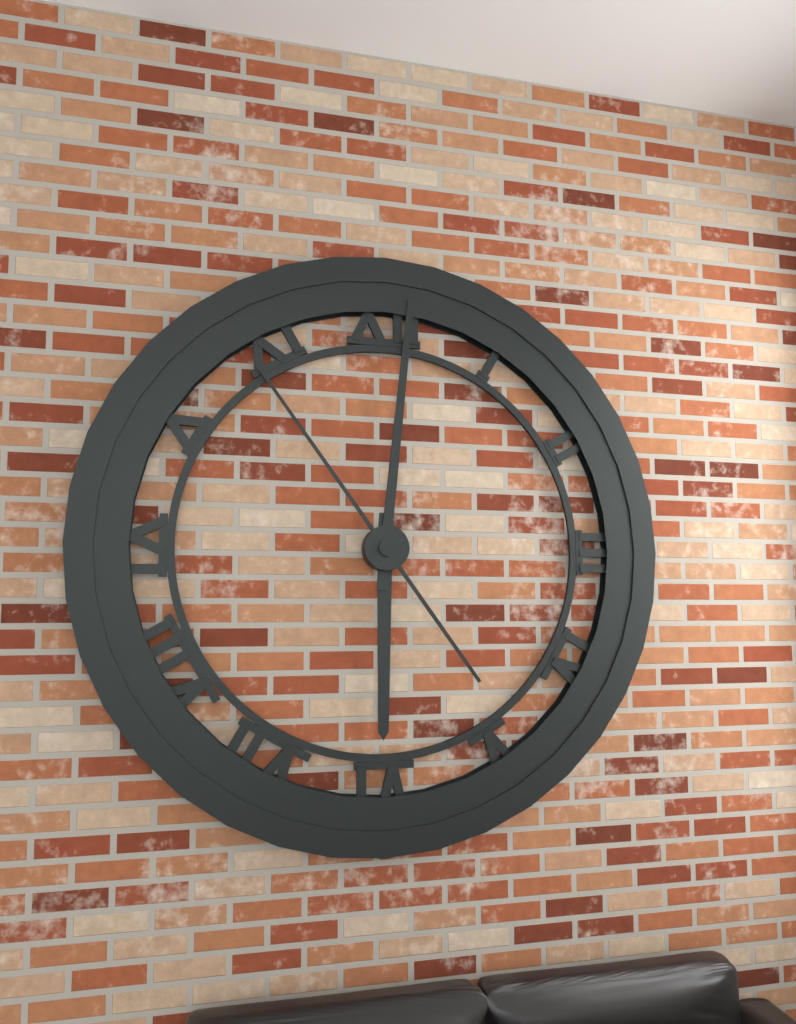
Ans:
6h01m54s
